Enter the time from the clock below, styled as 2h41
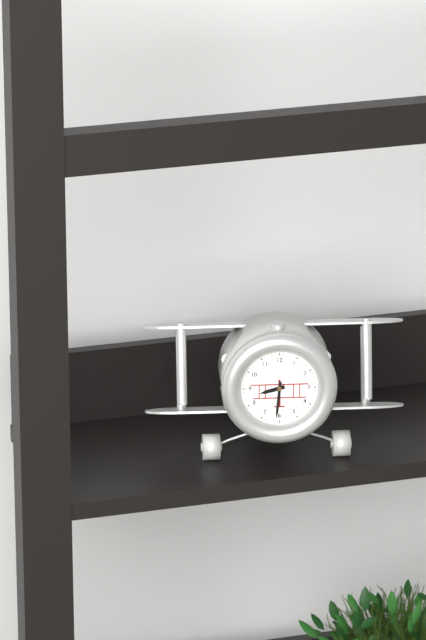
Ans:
8h31
